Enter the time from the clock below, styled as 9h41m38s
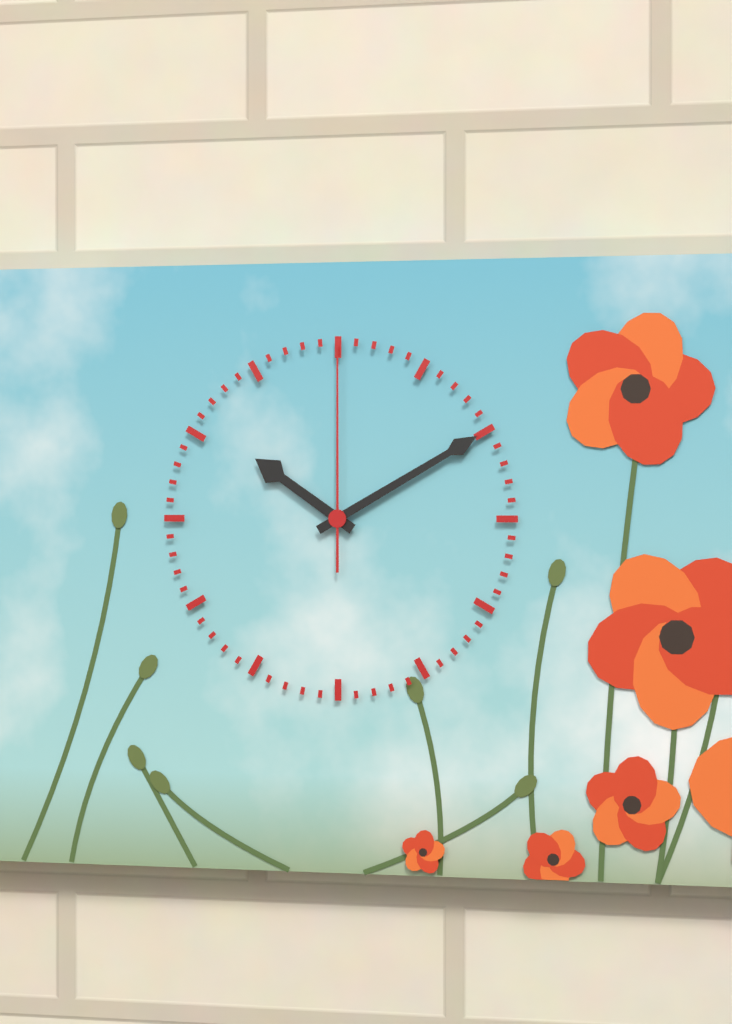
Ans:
10h10m00s
